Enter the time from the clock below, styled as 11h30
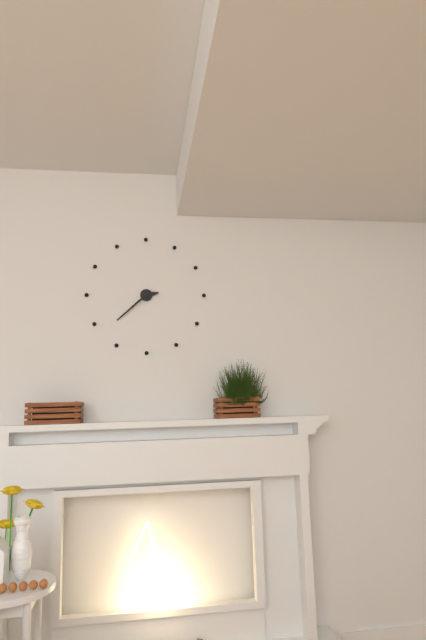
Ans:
2h38
